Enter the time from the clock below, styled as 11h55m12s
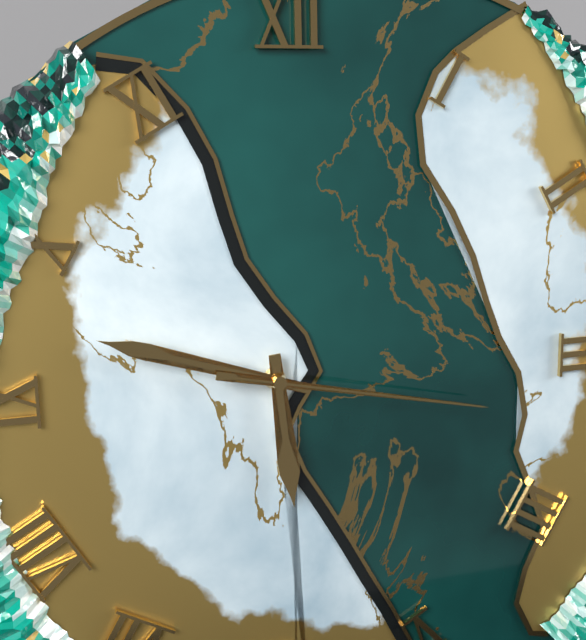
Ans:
5h48m17s
